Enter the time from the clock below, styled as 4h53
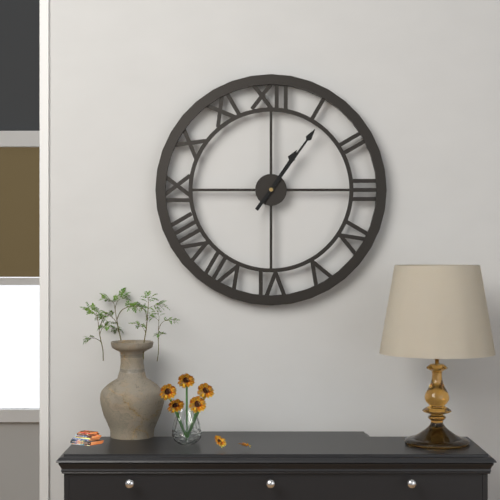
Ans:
1h06
